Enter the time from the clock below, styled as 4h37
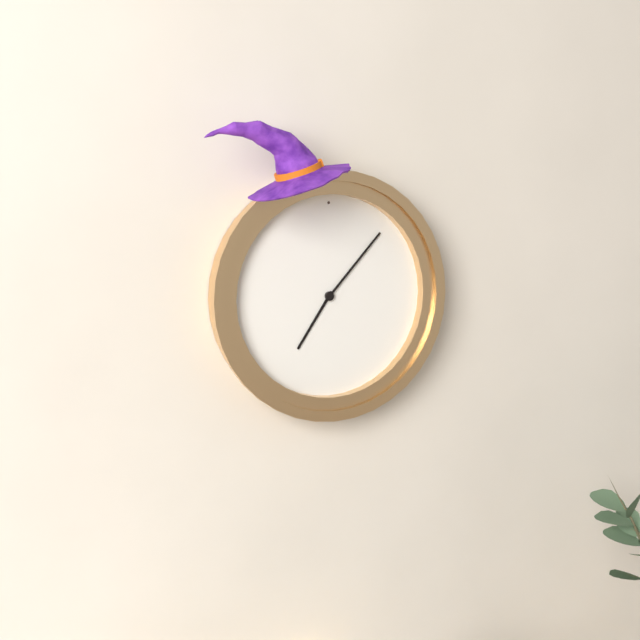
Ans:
7h07
